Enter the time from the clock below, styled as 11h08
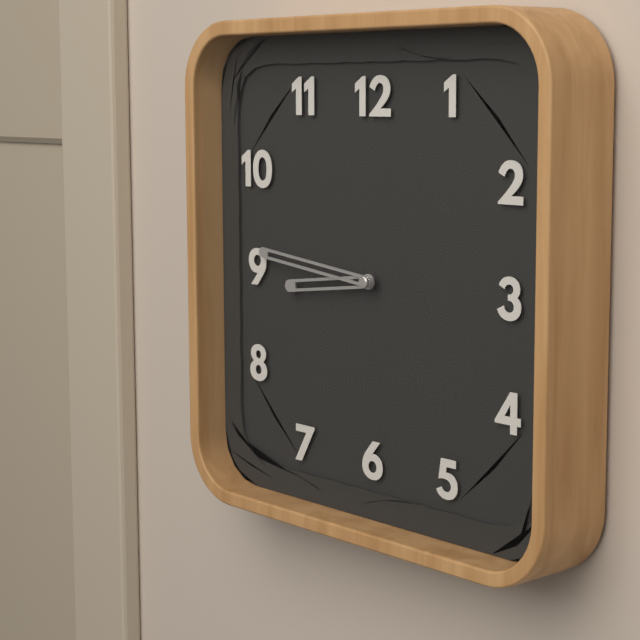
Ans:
8h46
